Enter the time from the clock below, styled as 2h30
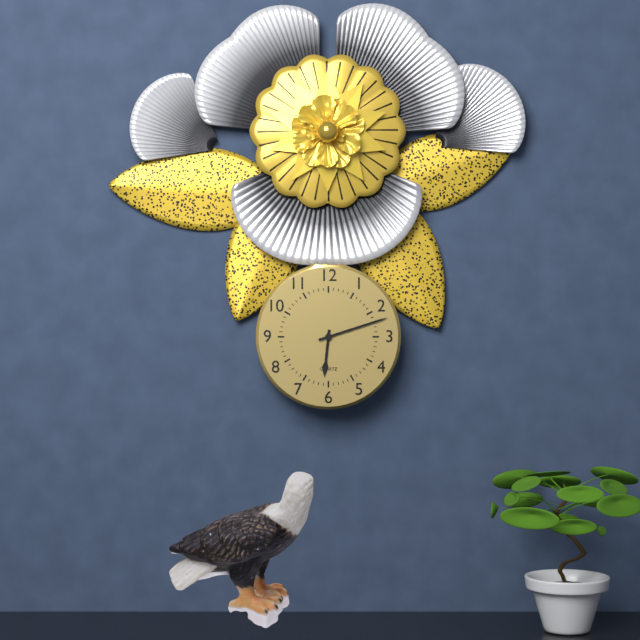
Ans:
6h12
